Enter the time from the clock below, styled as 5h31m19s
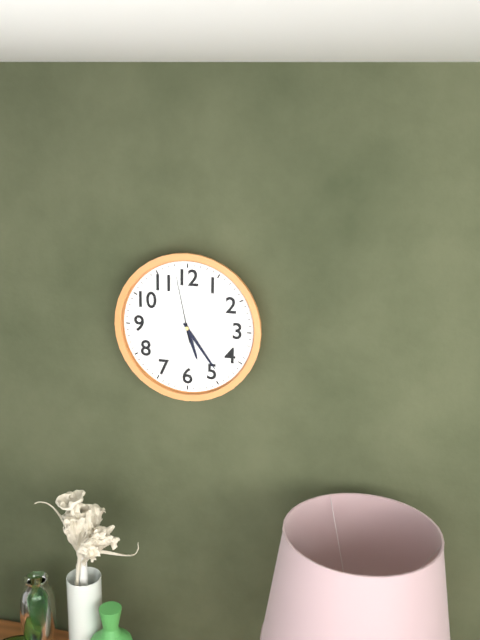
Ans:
5h24m58s
